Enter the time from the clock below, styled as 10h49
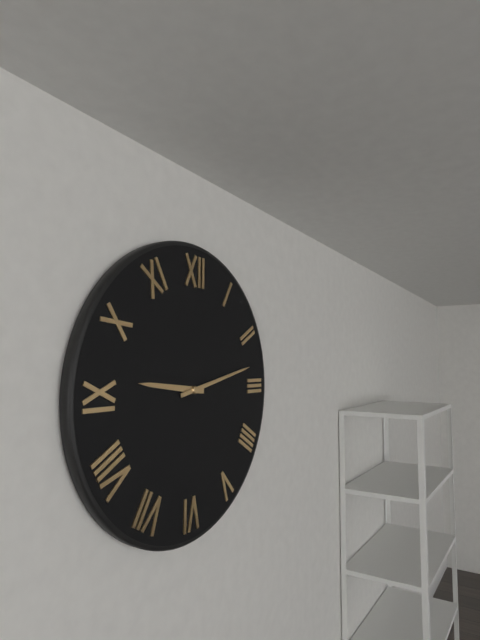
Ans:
9h13
